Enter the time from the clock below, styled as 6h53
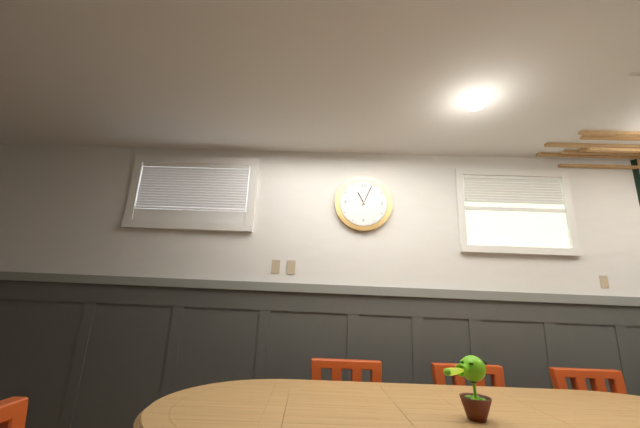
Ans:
11h04
